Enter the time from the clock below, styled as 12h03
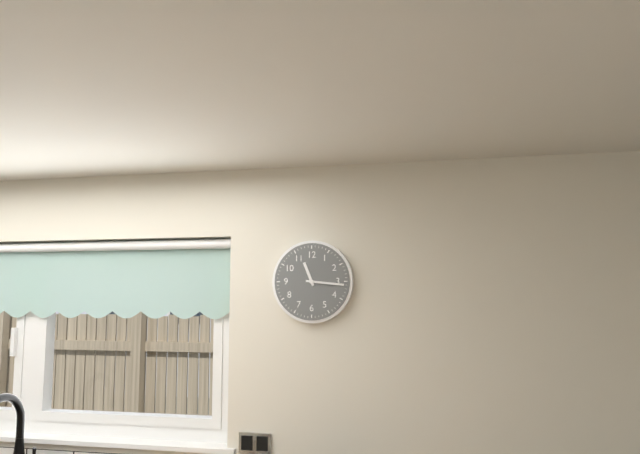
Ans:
11h16
